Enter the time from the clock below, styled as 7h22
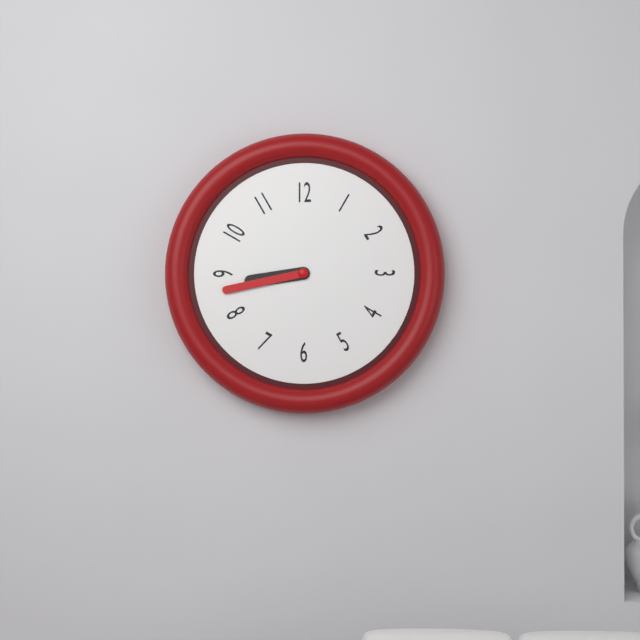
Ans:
8h43
